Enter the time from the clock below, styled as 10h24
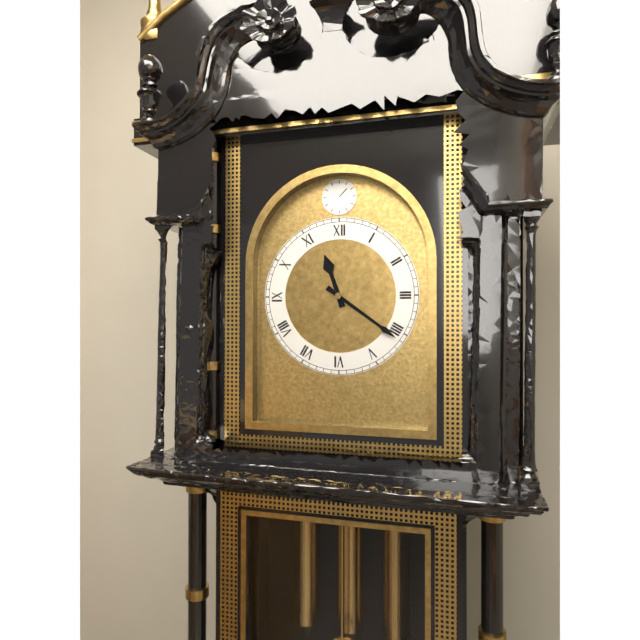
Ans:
11h21
